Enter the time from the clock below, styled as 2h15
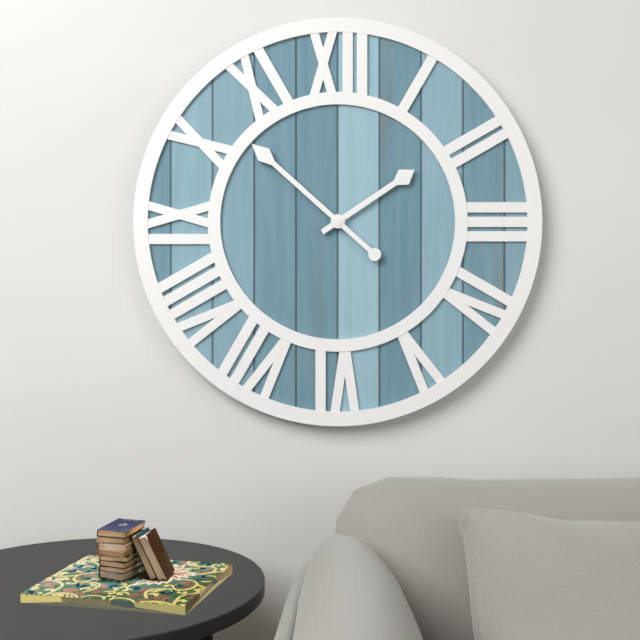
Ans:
1h52
